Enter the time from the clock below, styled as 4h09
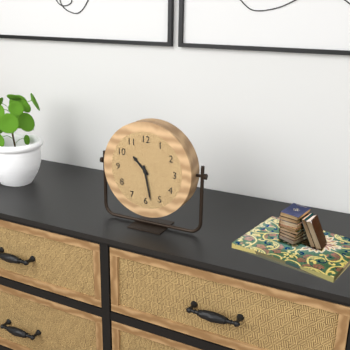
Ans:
10h28
